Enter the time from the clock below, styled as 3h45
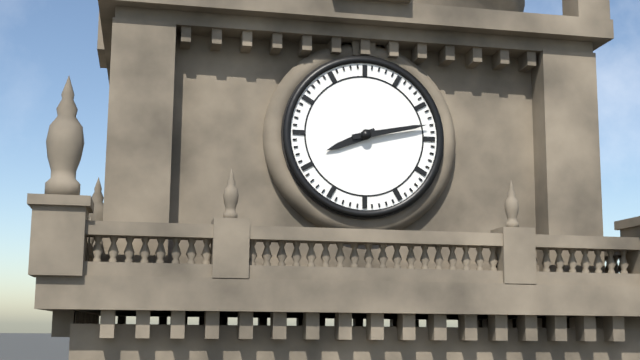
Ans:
8h13
